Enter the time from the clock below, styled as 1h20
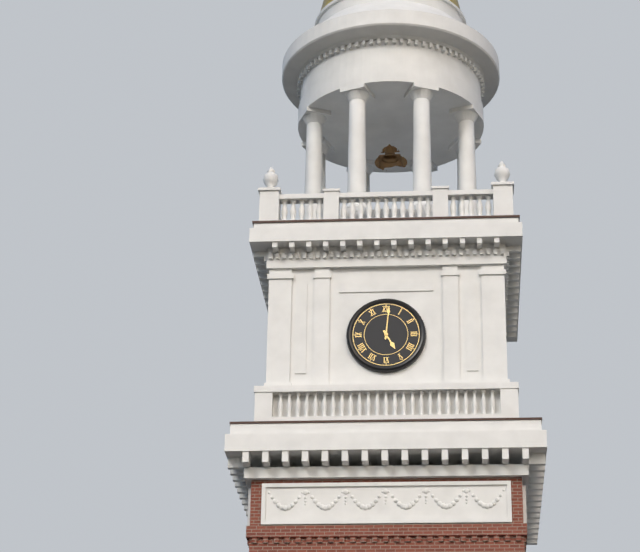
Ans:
5h01
